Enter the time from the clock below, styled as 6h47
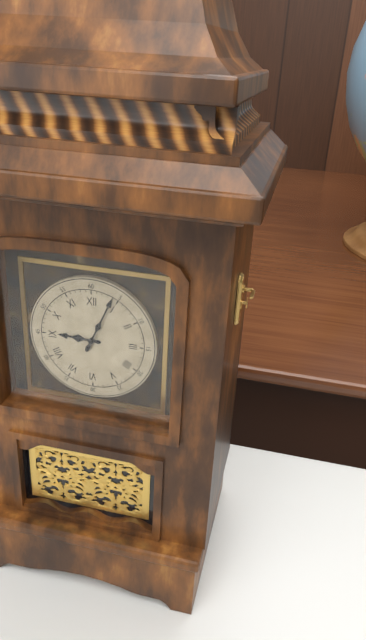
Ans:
9h04
